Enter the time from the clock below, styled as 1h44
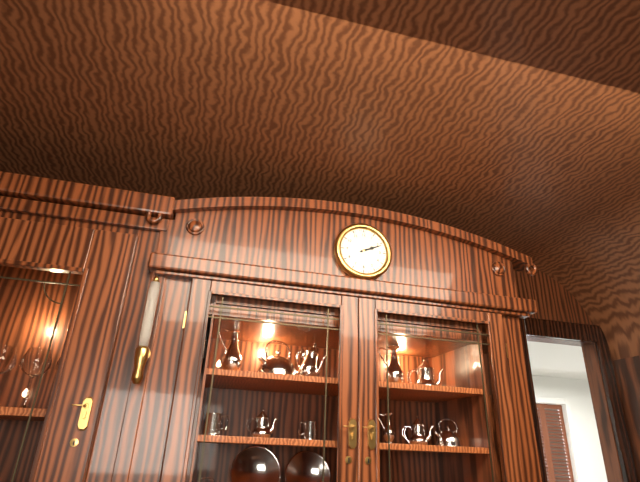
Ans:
2h11
